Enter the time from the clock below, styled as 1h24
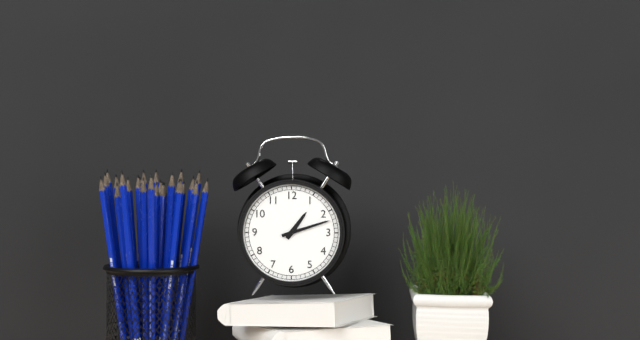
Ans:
1h12
